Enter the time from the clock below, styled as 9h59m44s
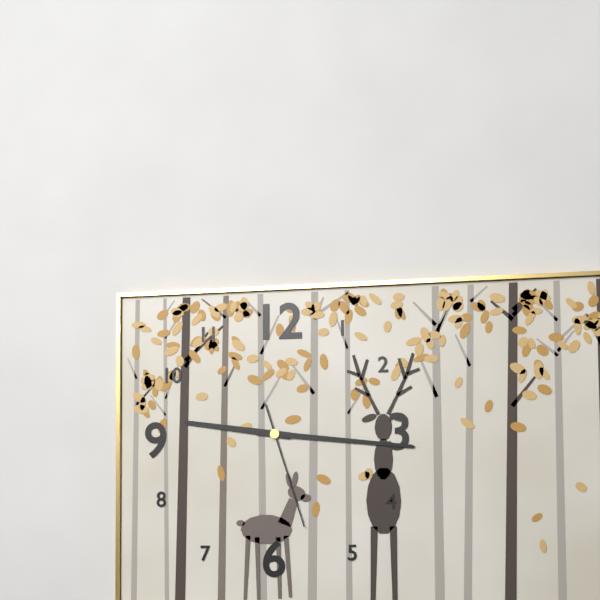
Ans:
9h16m27s
